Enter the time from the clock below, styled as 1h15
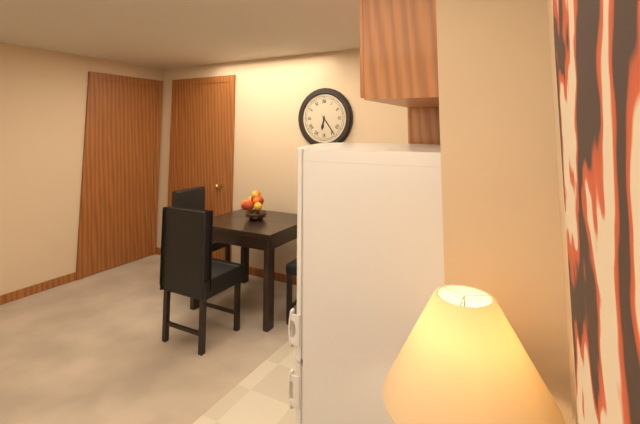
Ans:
6h24
